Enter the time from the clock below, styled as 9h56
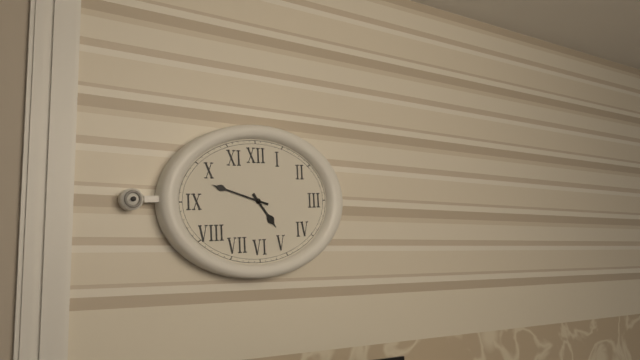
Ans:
4h48
